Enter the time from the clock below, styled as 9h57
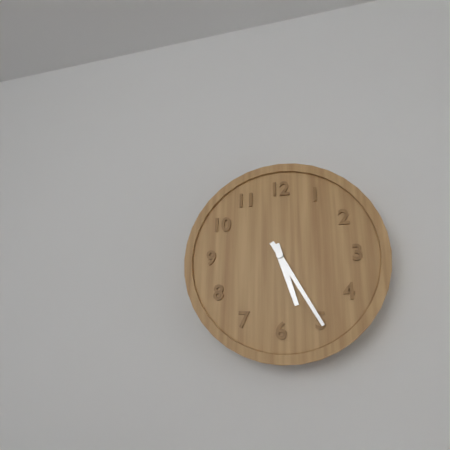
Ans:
5h25
